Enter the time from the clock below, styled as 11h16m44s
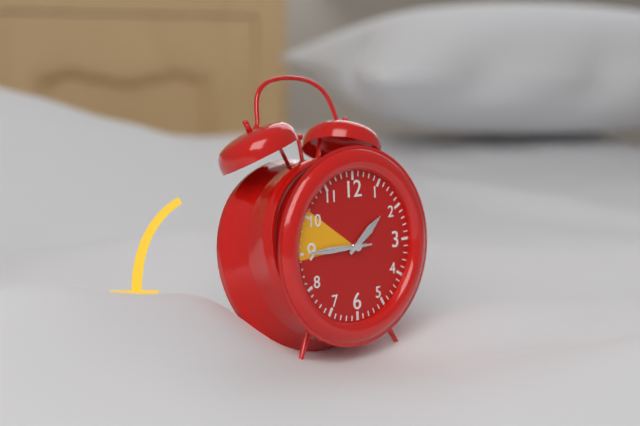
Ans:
1h45m45s
